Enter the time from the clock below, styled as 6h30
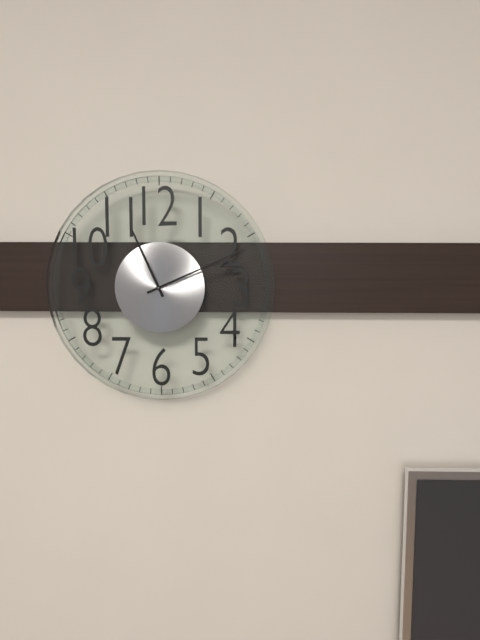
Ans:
11h11
